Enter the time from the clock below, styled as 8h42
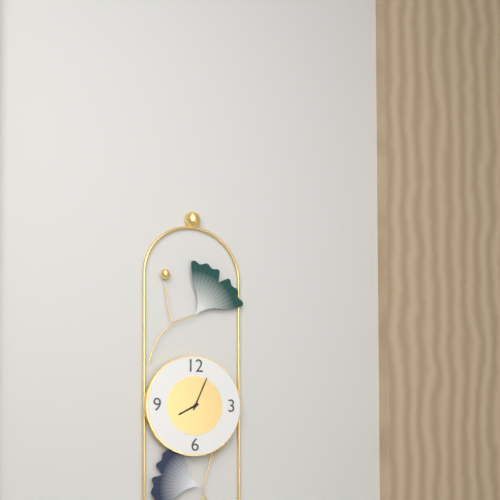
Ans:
8h04
